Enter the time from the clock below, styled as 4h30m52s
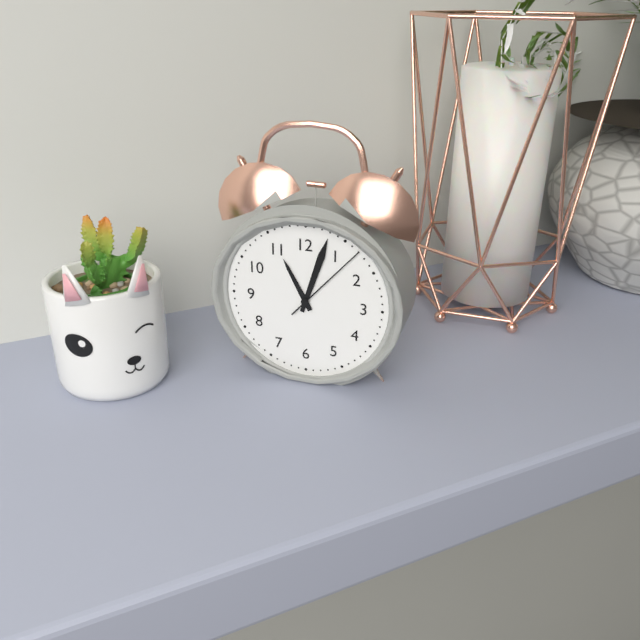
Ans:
11h03m07s
